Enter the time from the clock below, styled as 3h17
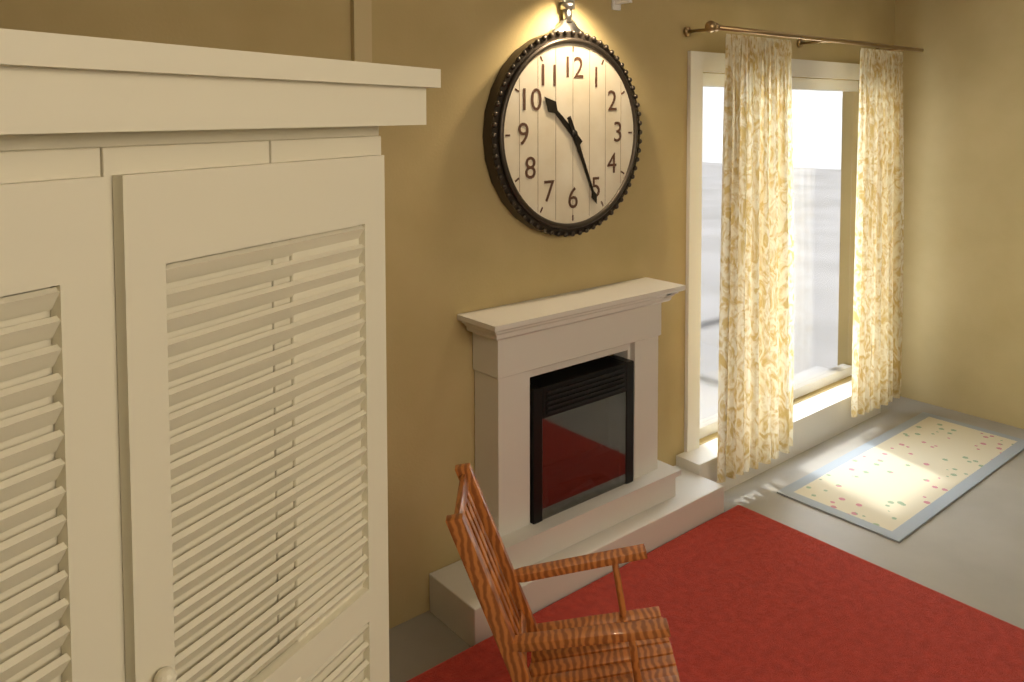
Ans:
10h26
